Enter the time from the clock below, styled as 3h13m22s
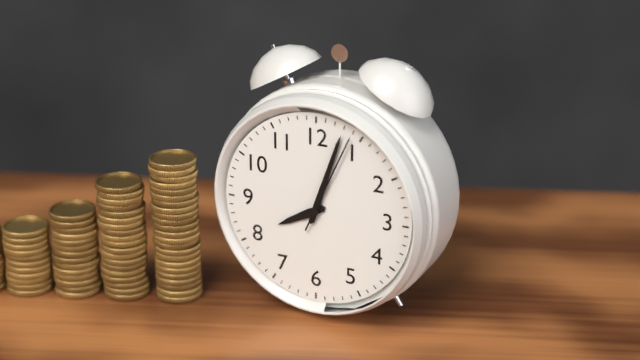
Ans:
8h03m04s
